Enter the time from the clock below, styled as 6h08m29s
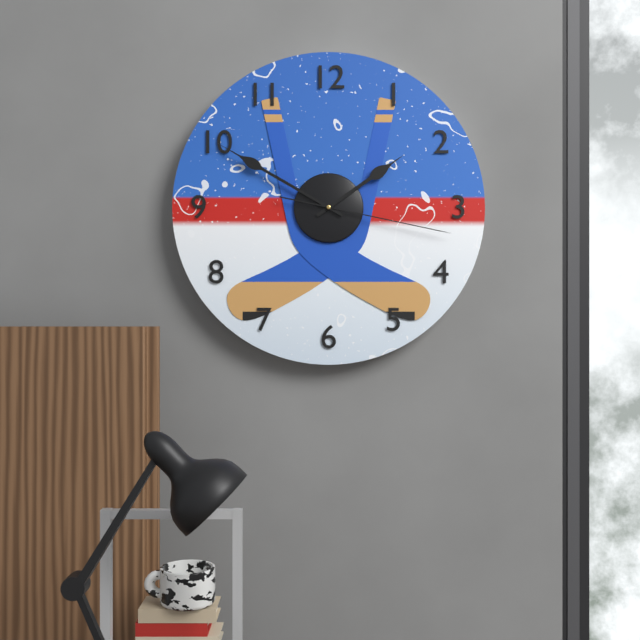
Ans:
1h50m17s
